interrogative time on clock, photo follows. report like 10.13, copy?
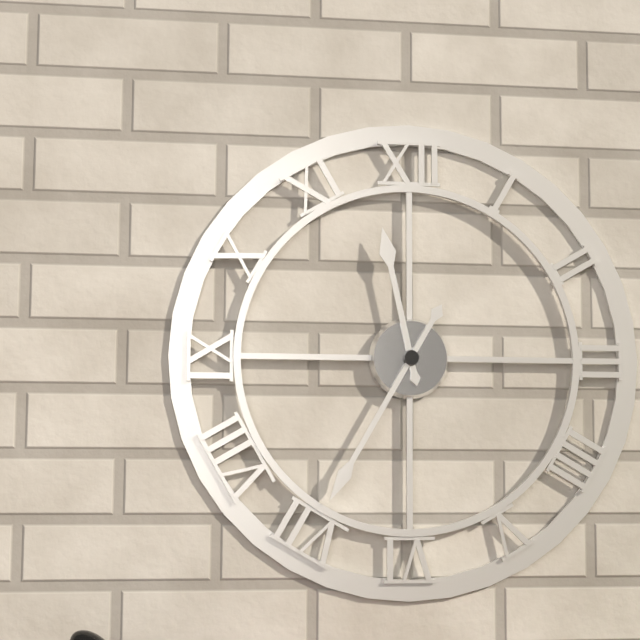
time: 11.35
